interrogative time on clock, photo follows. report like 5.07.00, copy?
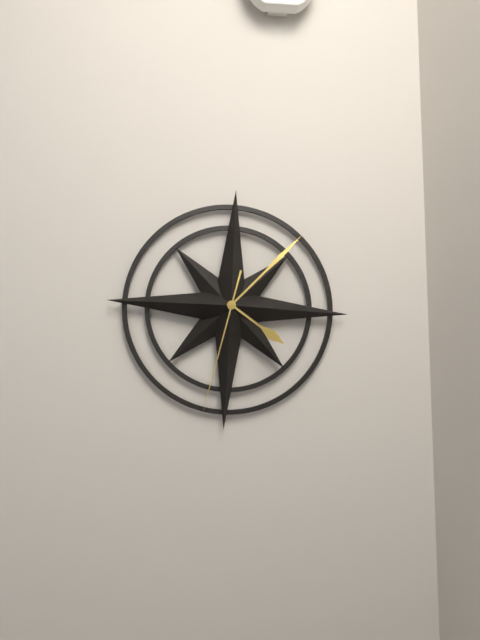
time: 4.07.32
